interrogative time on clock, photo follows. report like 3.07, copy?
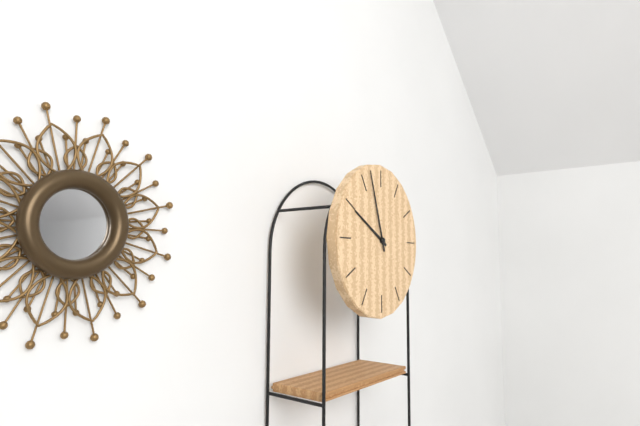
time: 9.57
